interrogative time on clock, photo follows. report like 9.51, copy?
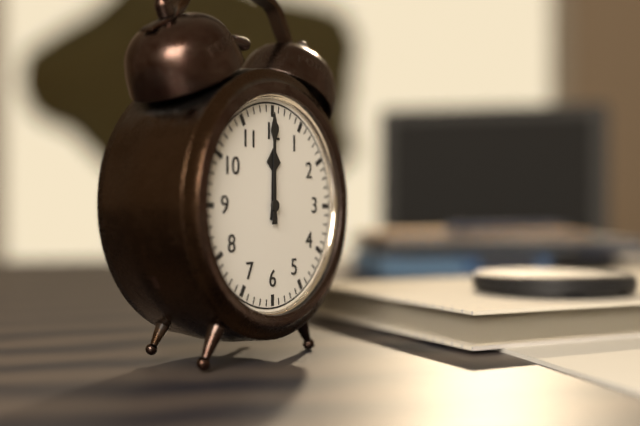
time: 12.00
